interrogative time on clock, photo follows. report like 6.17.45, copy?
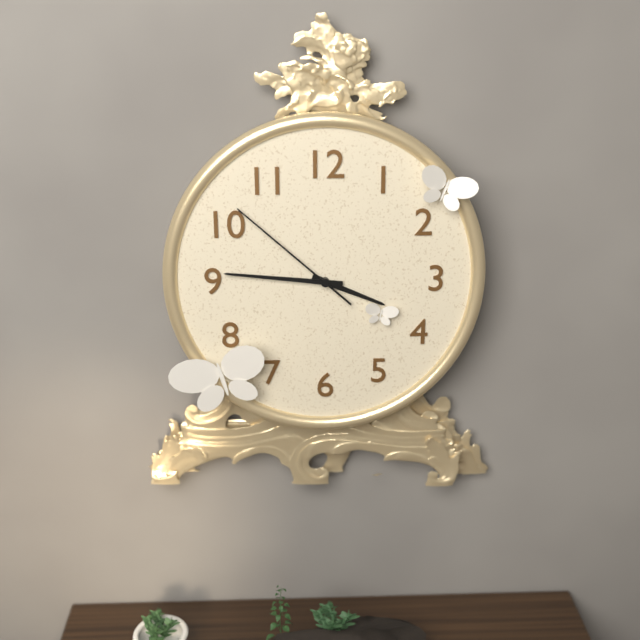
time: 3.46.52
